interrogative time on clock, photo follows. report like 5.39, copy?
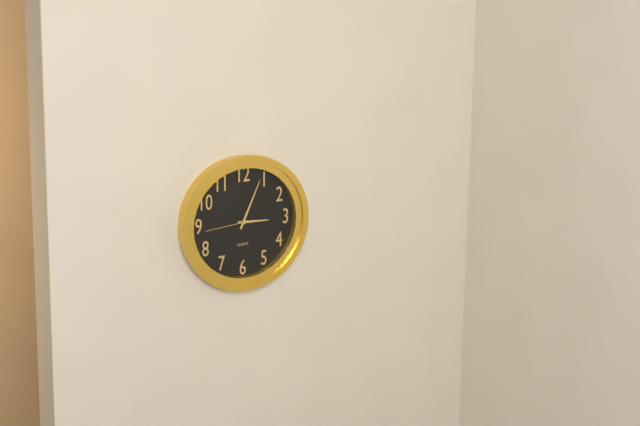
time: 3.04
